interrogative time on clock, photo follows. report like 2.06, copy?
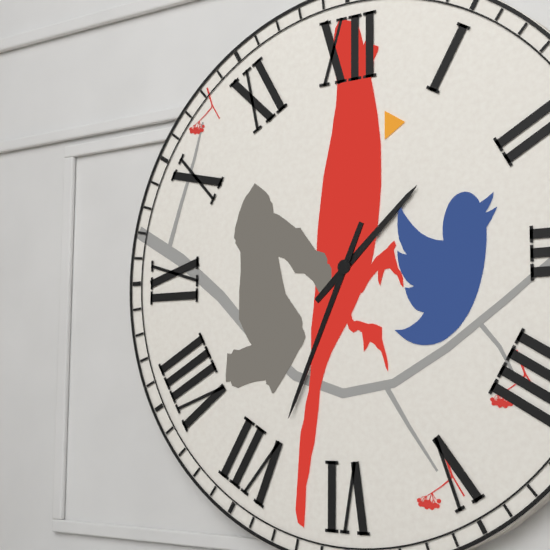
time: 1.34
